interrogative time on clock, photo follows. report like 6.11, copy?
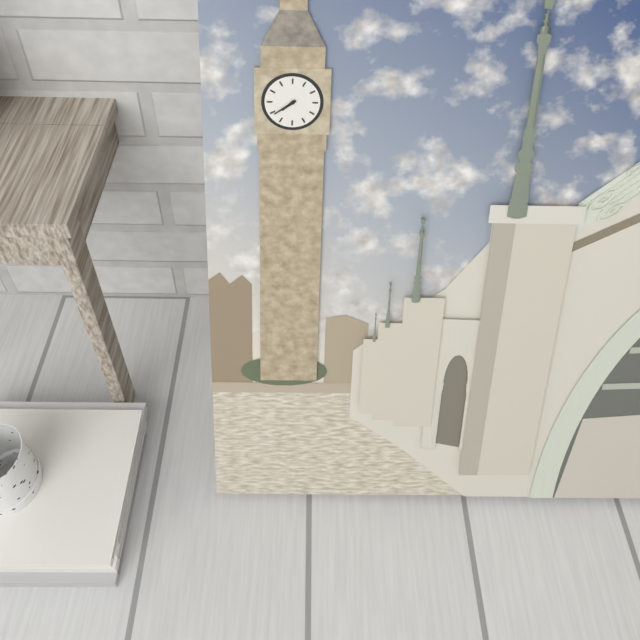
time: 7.39
